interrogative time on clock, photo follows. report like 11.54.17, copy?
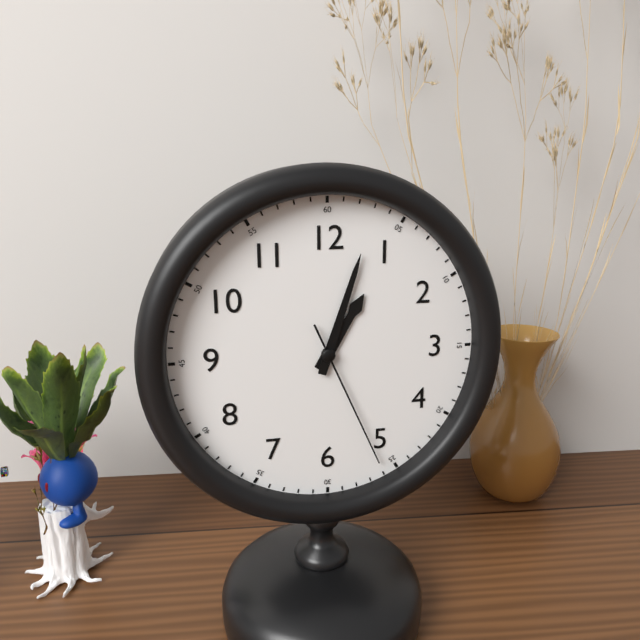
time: 1.03.26
